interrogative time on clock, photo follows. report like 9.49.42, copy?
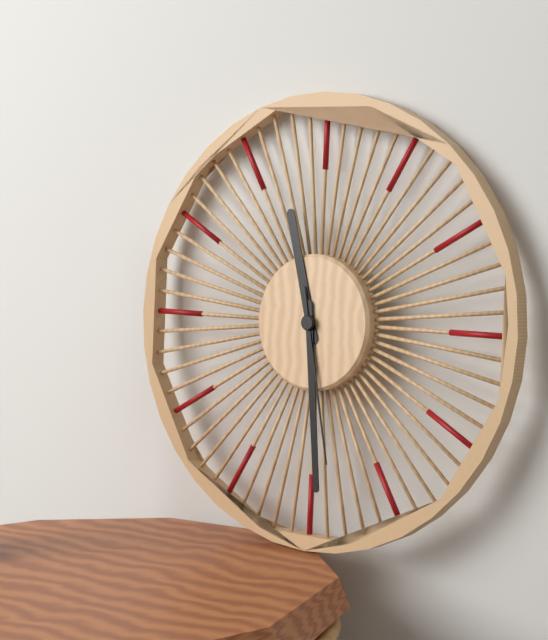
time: 11.29.28
